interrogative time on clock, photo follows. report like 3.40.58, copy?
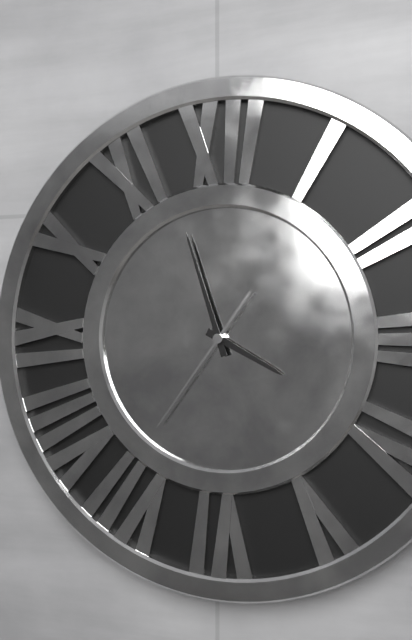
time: 3.57.36
